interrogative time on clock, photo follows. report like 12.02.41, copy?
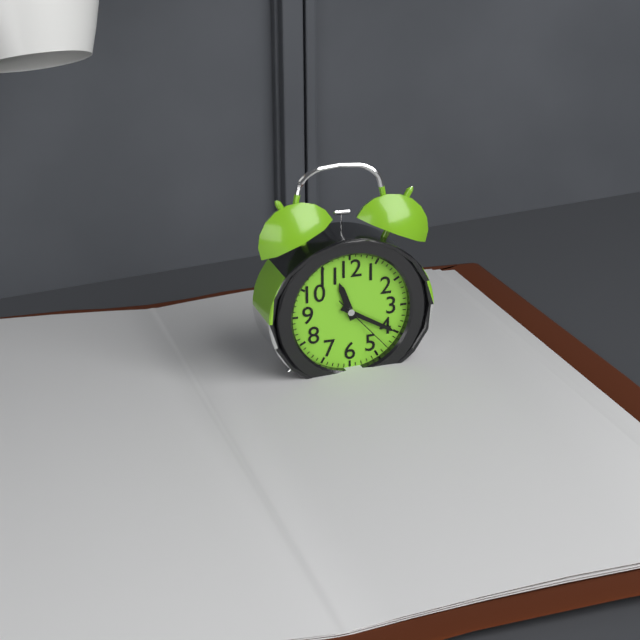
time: 11.20.23
